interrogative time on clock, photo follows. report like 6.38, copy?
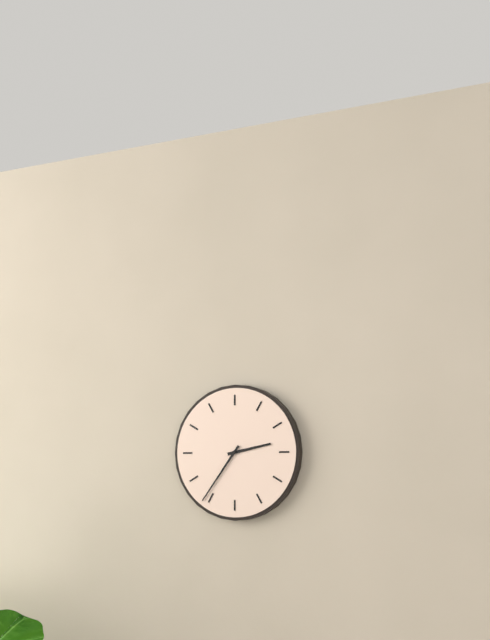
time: 2.36
